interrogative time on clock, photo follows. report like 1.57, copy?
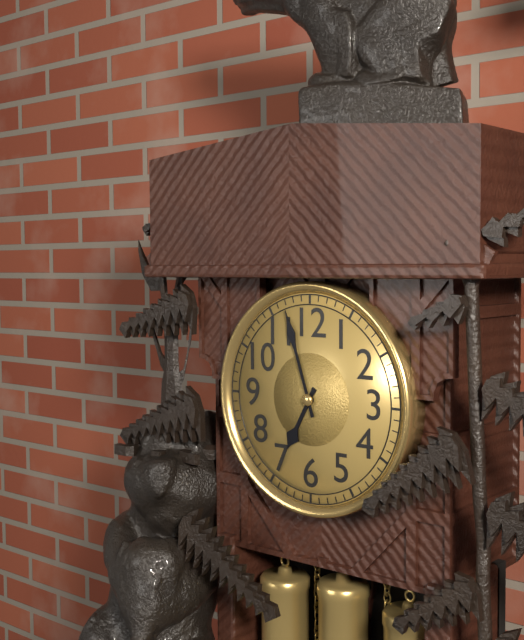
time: 6.57
